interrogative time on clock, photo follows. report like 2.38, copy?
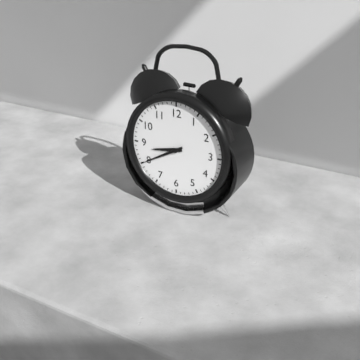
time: 8.40
